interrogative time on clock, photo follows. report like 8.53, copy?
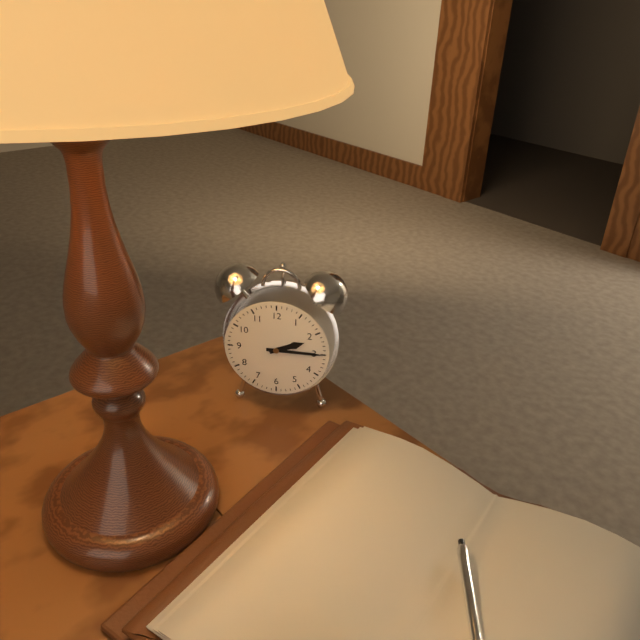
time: 2.15
